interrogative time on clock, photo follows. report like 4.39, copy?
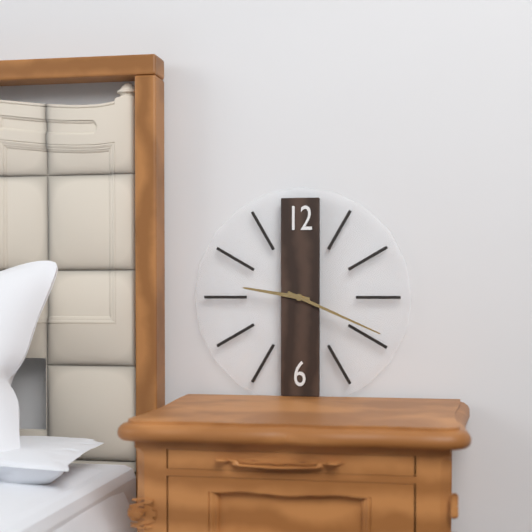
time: 9.19
